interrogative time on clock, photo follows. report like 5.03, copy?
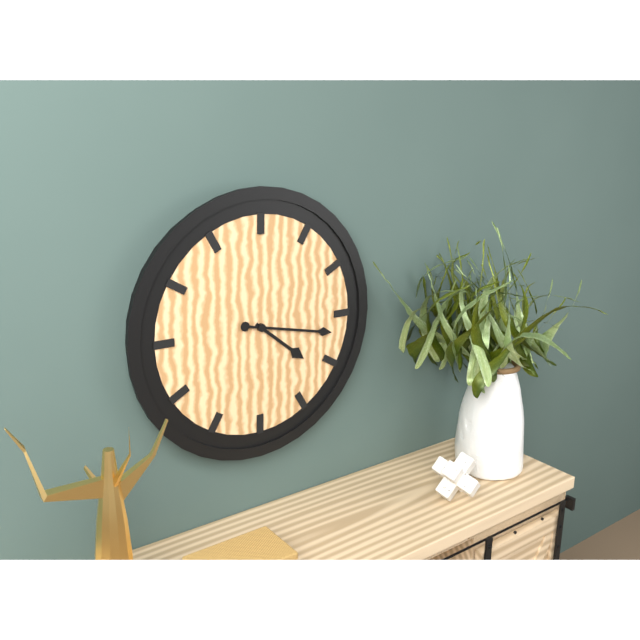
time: 4.17
